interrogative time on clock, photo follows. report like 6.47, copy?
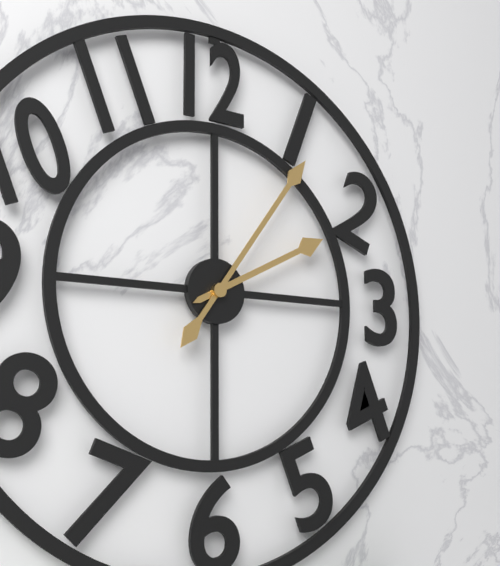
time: 2.06
